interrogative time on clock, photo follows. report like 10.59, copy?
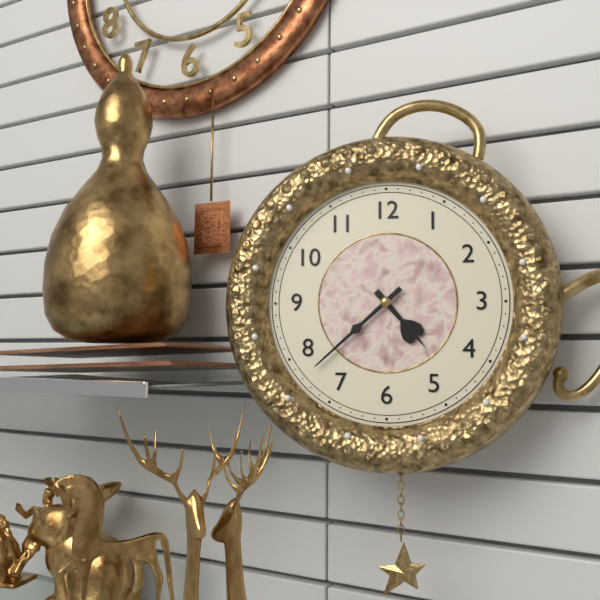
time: 4.38
